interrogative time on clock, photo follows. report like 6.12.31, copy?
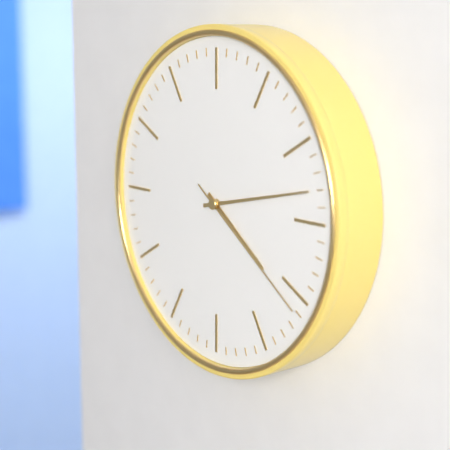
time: 4.13.21
